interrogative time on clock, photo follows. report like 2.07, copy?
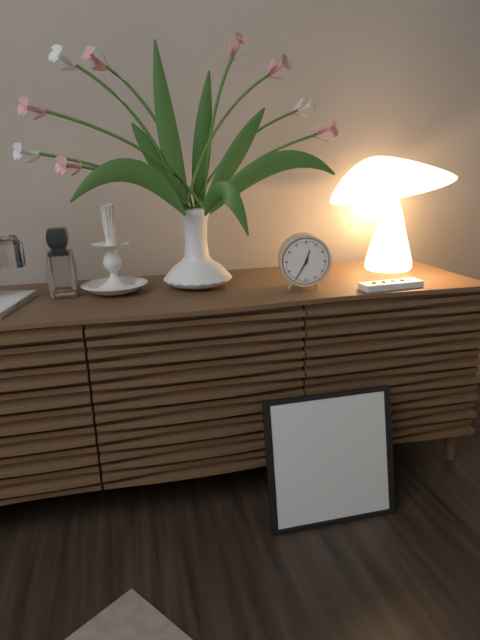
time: 12.35
